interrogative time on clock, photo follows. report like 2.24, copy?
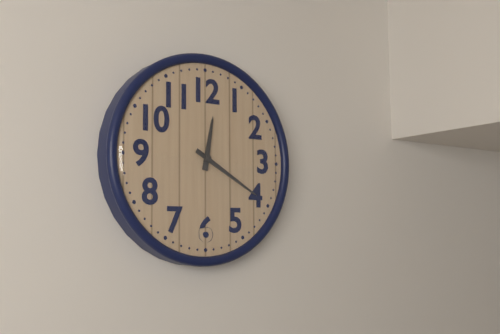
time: 12.20
